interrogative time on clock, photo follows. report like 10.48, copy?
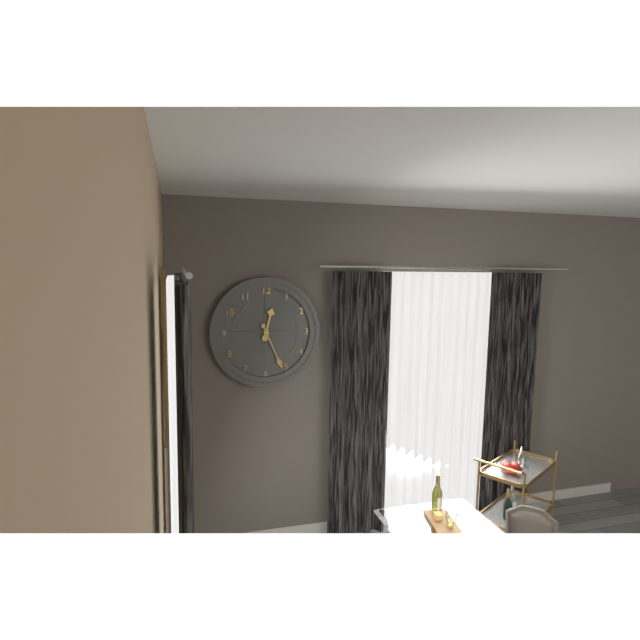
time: 12.26
